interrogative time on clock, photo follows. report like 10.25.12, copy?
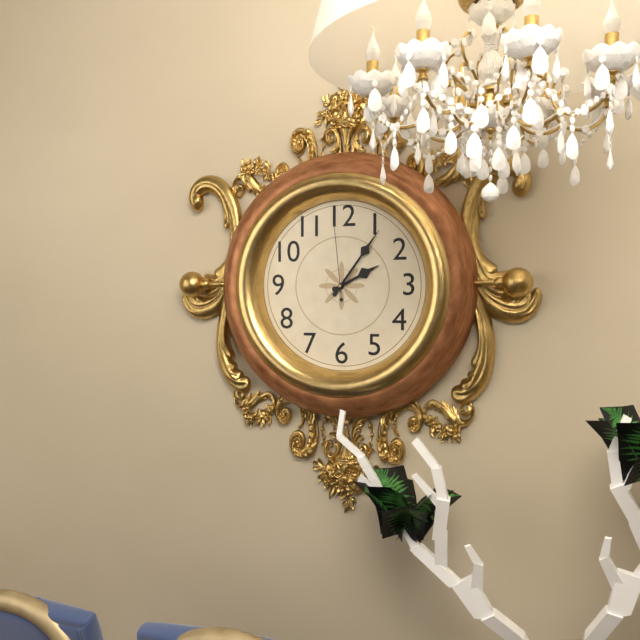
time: 2.06.59
